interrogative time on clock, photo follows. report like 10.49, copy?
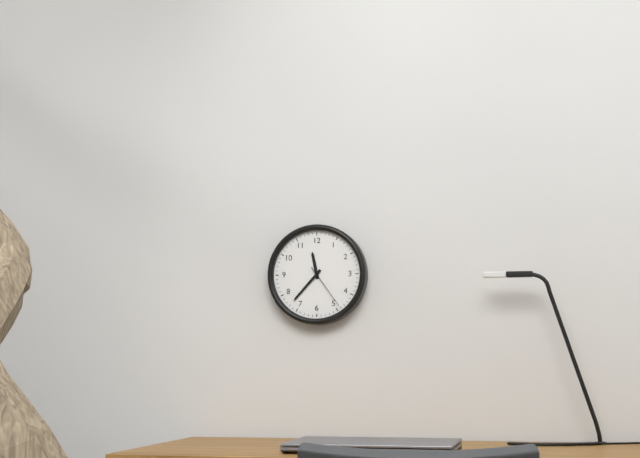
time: 11.37
